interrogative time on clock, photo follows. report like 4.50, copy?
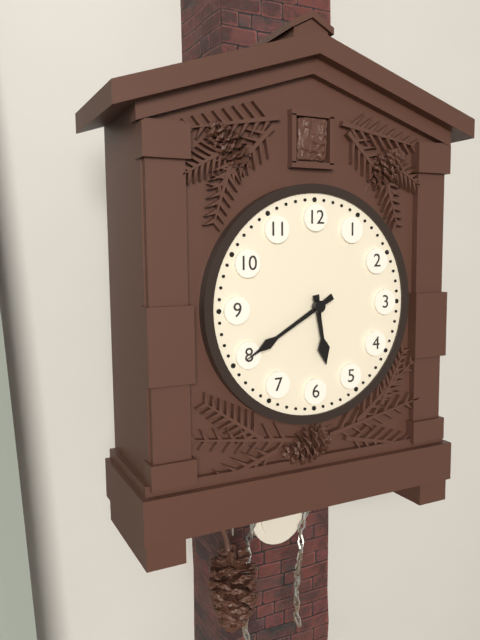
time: 5.40
